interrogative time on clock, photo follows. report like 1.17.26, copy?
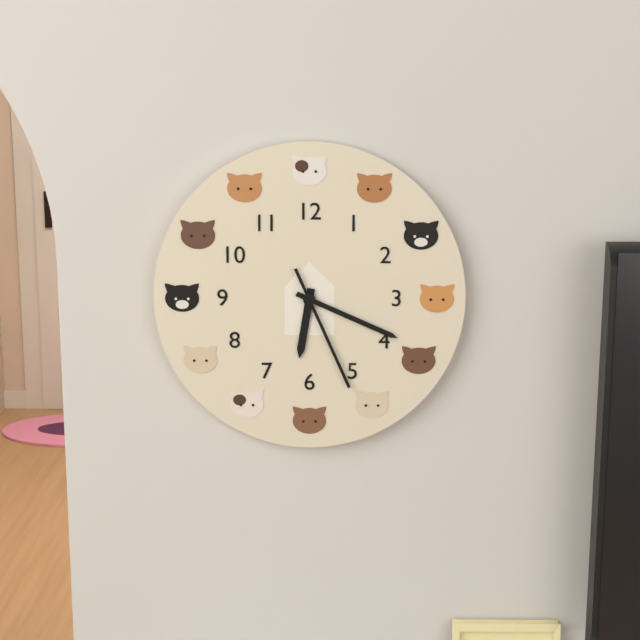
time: 6.19.26
